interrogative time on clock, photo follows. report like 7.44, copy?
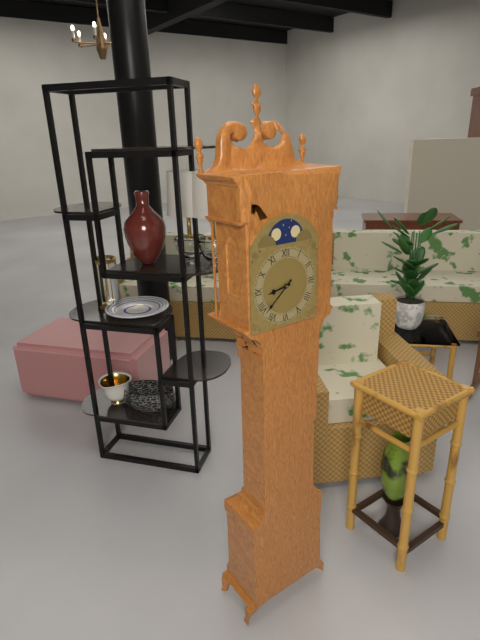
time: 8.38
